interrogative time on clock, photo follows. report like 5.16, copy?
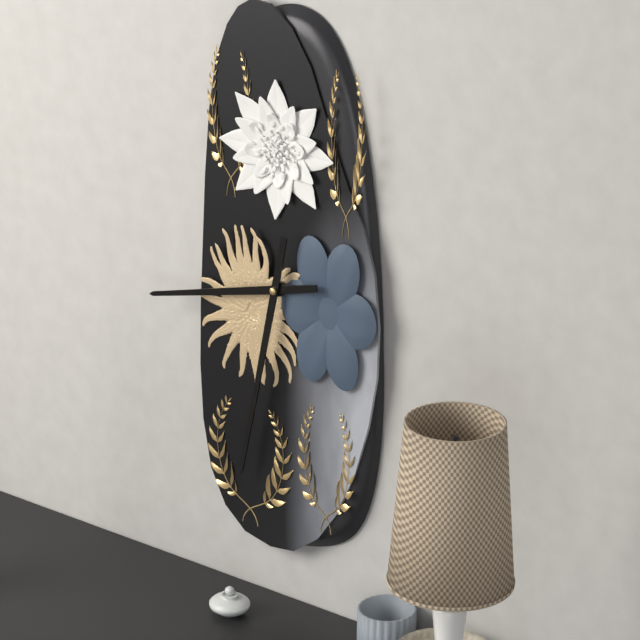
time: 8.32
